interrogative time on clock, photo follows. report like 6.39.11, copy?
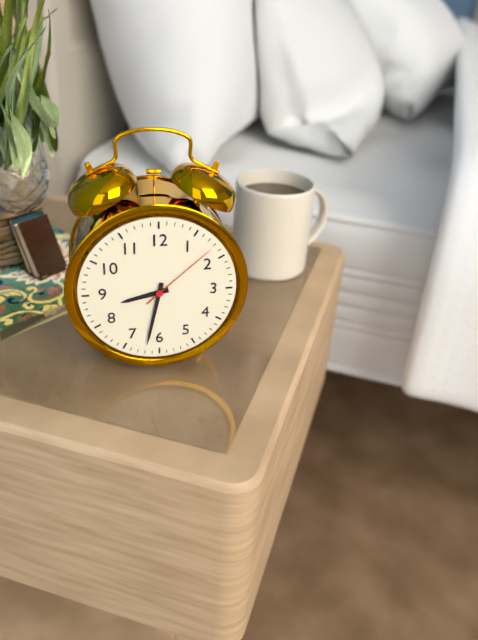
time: 8.32.08
